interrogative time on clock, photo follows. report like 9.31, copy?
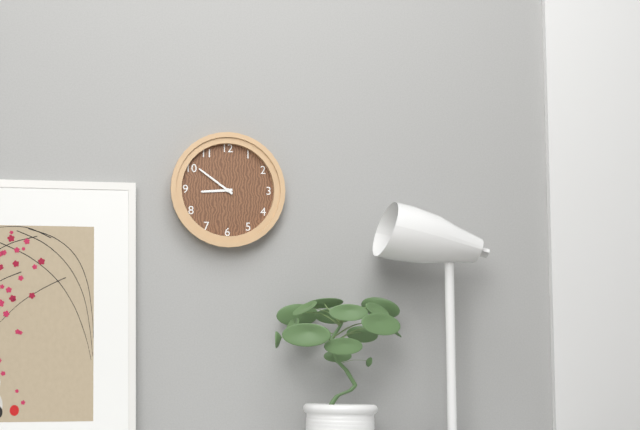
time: 8.51
